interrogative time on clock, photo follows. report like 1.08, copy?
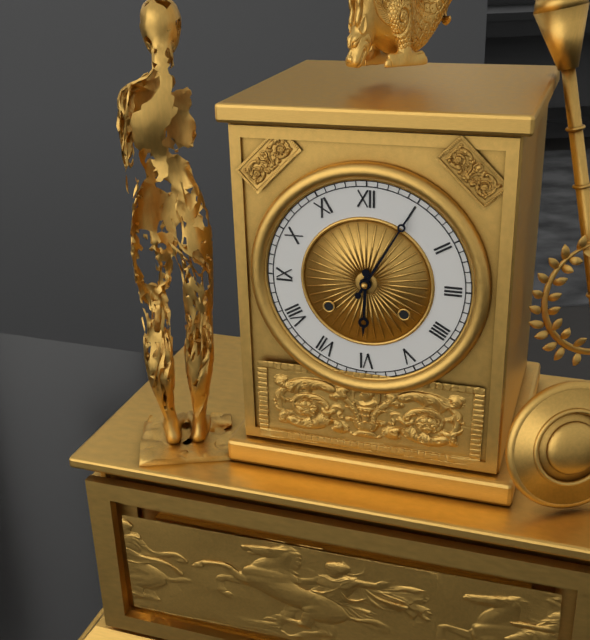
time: 6.05
